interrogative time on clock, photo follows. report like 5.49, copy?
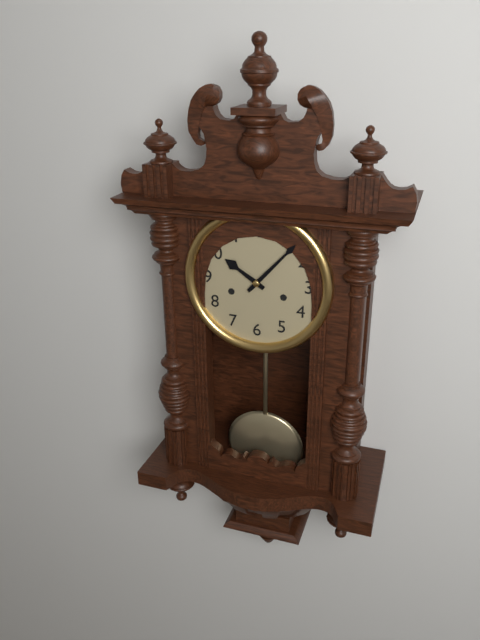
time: 10.07
